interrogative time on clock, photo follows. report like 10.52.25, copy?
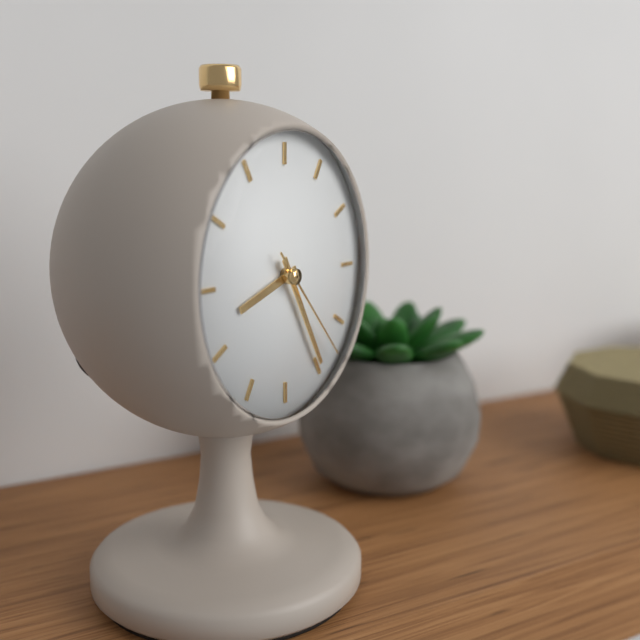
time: 8.25.23
